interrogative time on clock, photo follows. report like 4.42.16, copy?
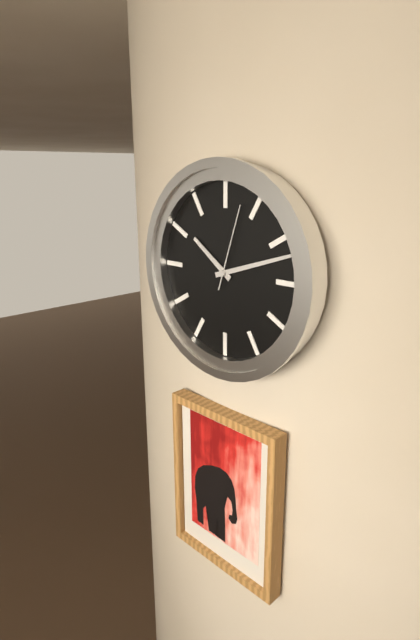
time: 10.12.03
